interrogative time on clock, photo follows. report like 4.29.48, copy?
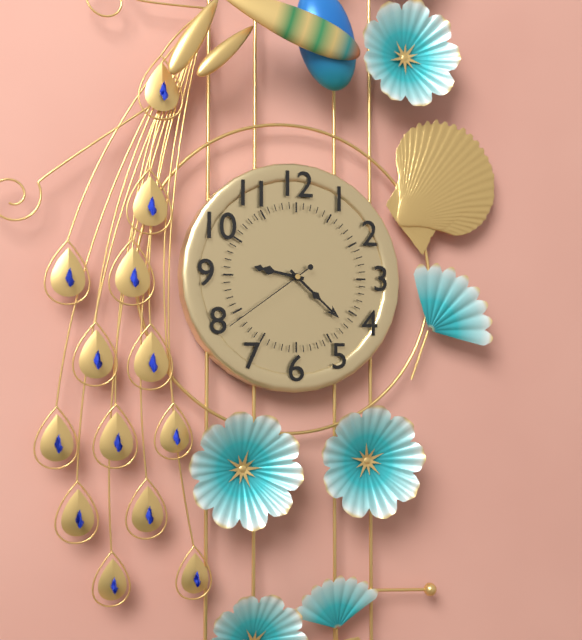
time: 9.22.39
